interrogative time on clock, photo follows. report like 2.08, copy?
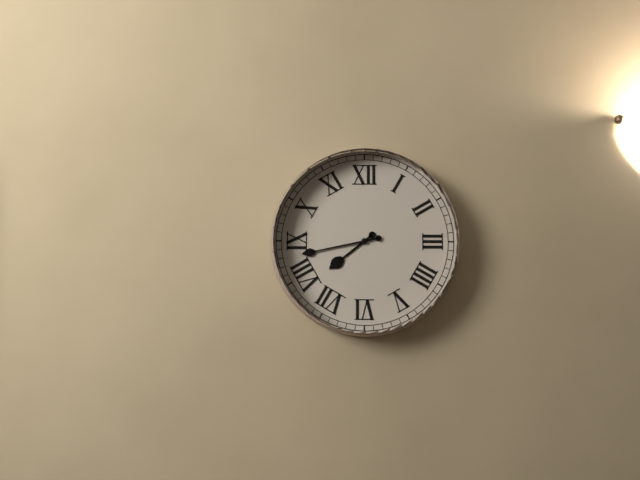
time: 7.43
